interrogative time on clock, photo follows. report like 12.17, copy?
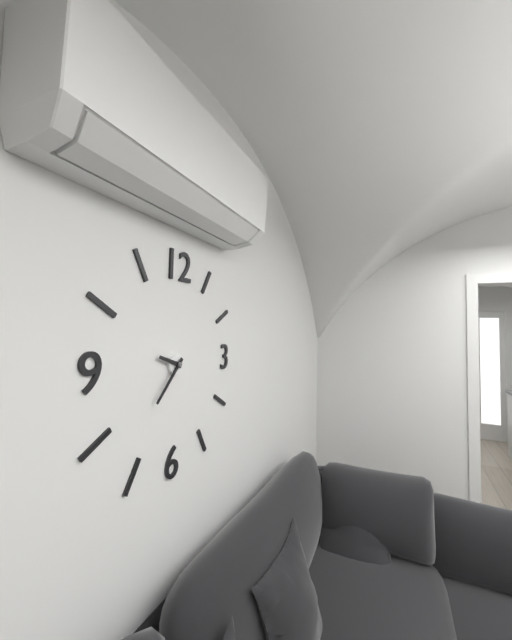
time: 9.37
